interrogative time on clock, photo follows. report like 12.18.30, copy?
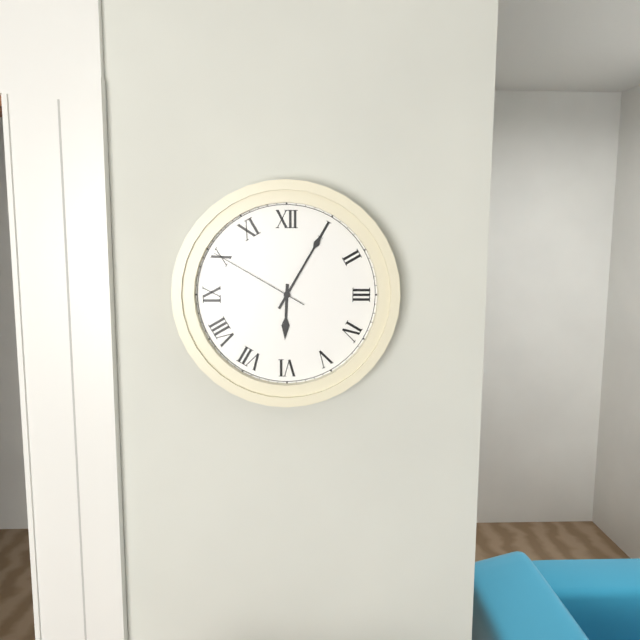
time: 6.05.50
